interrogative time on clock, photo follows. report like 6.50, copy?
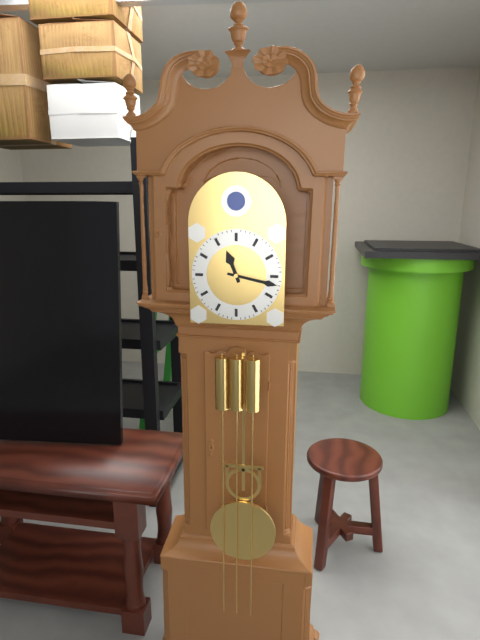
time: 11.17
